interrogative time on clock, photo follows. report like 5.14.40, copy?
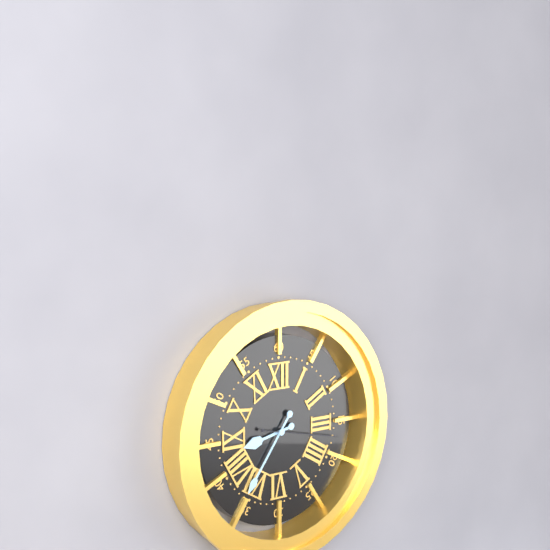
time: 8.36.17
